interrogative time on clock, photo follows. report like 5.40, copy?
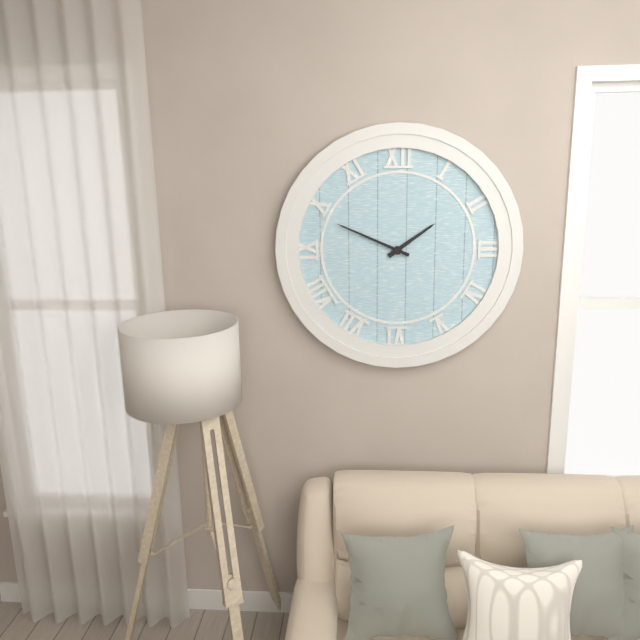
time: 1.49
